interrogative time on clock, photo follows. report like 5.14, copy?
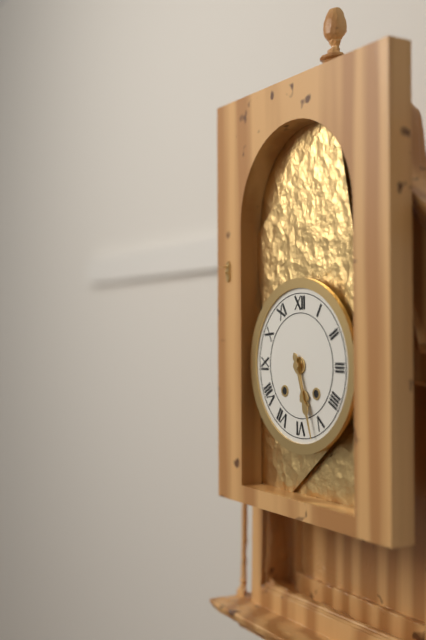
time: 5.27
